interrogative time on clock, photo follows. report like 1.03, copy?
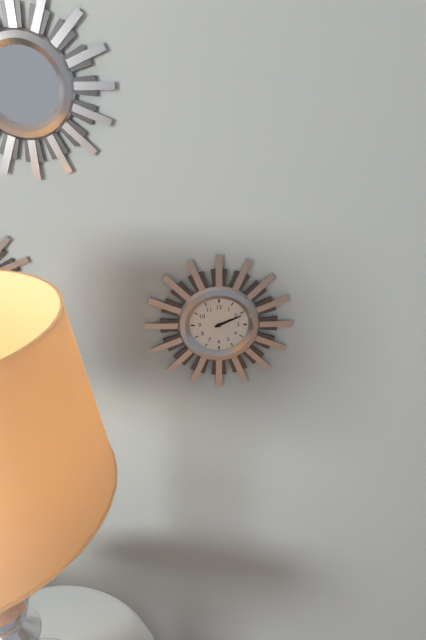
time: 2.11
